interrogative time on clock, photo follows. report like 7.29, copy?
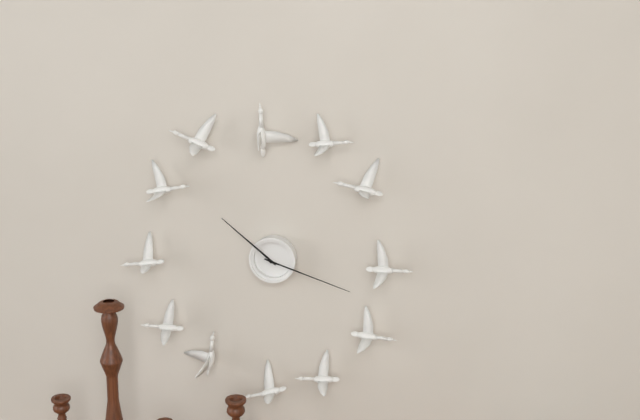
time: 10.18
